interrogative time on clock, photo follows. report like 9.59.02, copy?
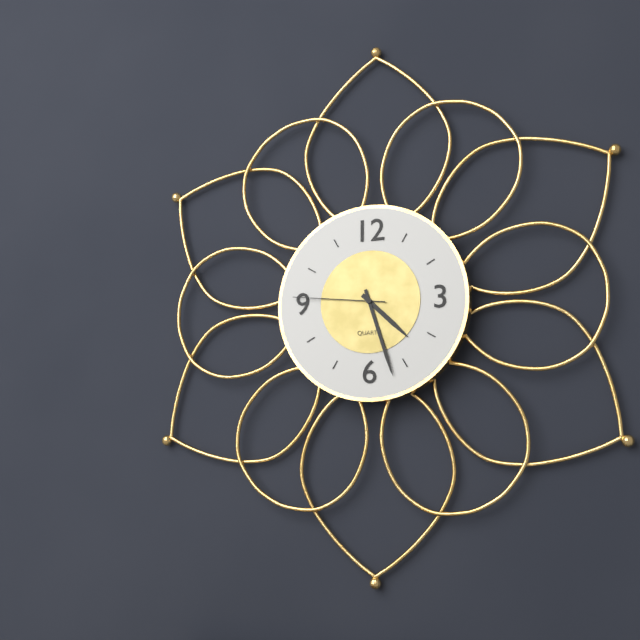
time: 4.27.46
